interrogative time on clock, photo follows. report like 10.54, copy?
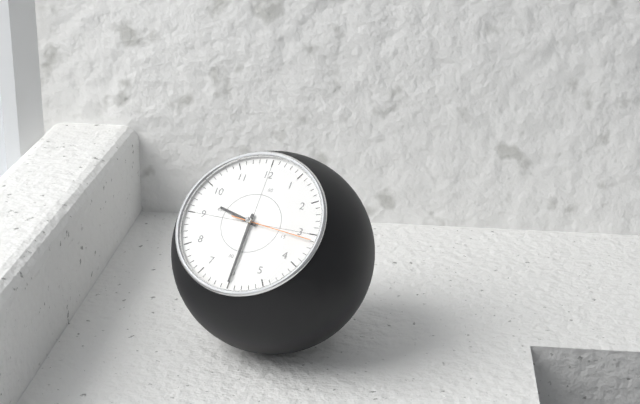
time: 9.30
